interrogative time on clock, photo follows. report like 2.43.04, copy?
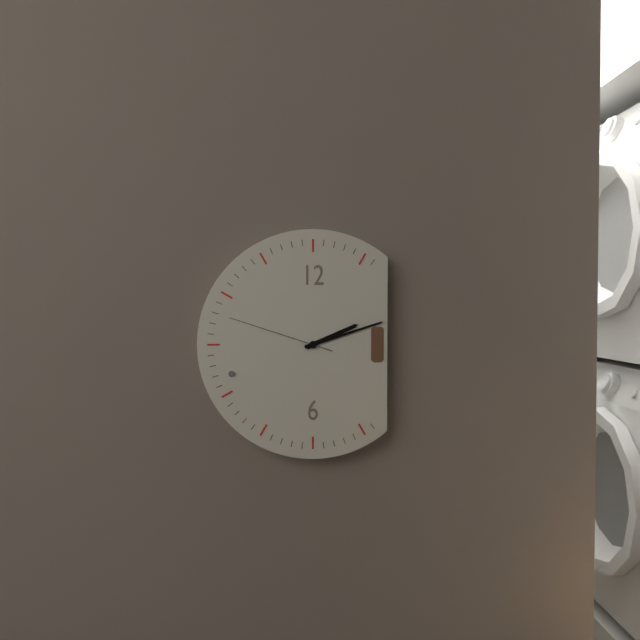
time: 2.12.48
